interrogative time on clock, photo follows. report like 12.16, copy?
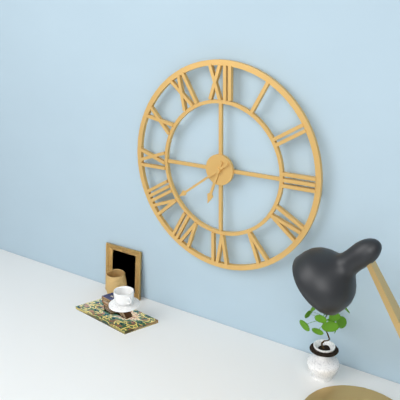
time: 6.39
